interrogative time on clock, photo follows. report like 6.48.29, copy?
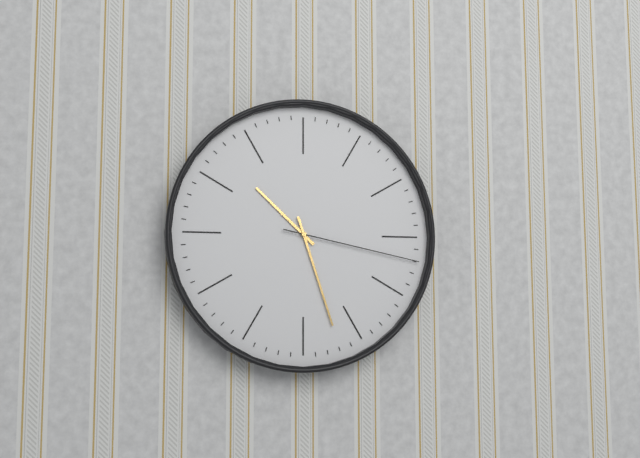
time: 10.27.17
